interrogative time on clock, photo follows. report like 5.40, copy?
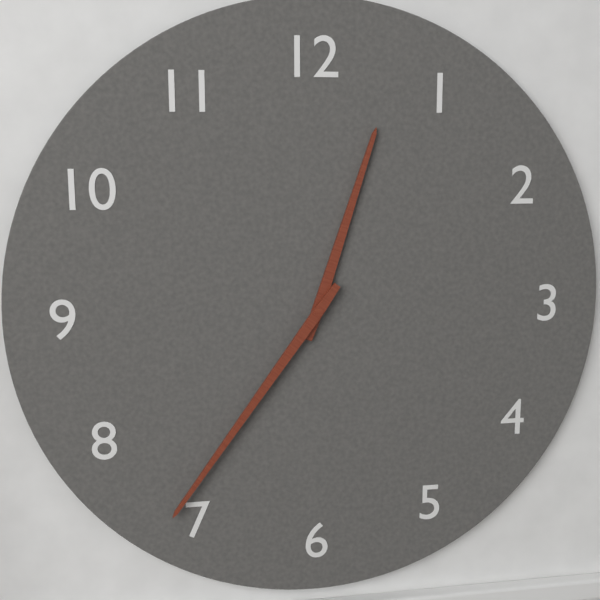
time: 12.36
